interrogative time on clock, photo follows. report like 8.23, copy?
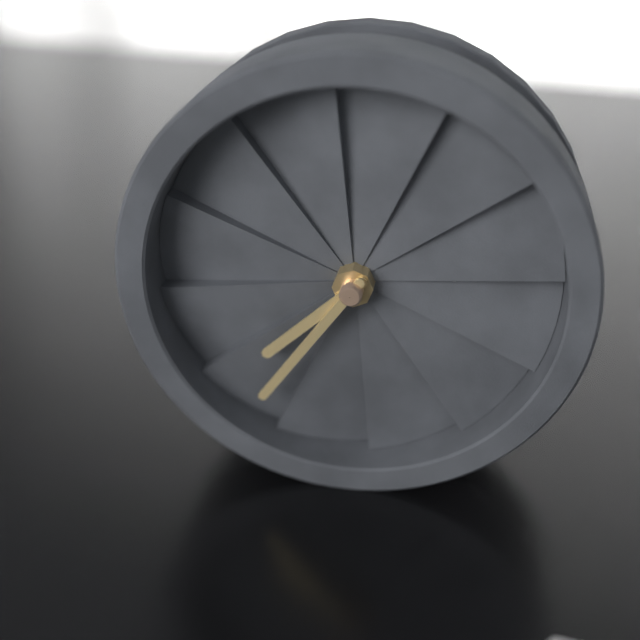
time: 7.36
